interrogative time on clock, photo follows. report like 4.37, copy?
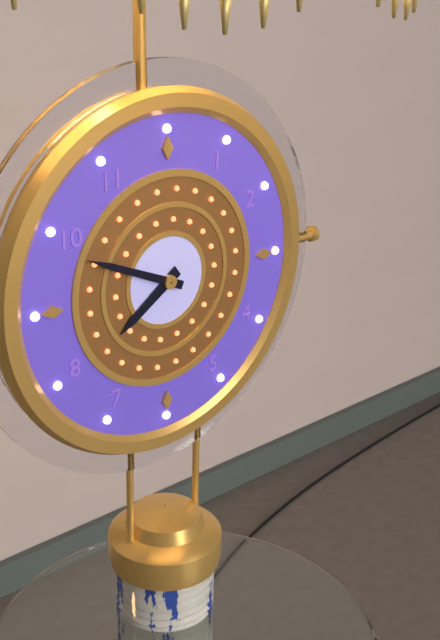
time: 7.49
